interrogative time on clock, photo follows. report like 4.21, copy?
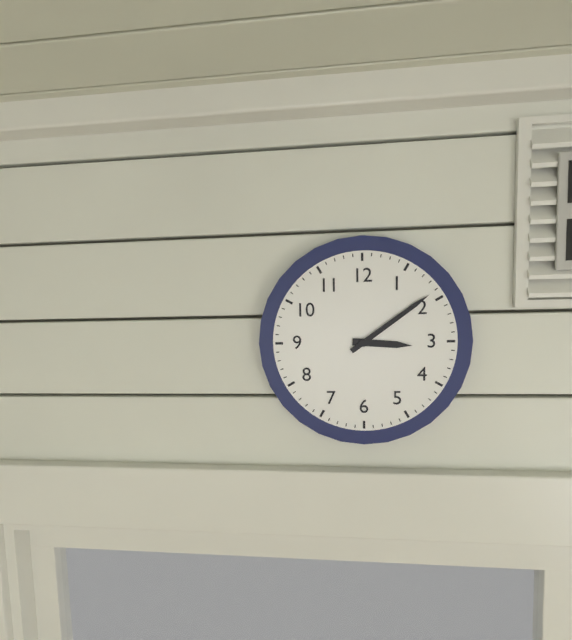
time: 3.09
